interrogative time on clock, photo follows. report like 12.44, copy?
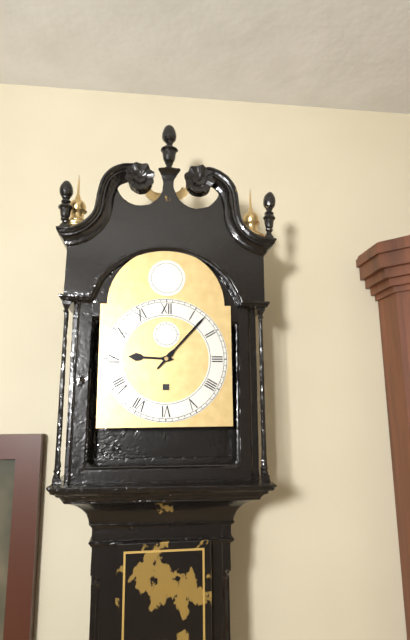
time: 9.07
